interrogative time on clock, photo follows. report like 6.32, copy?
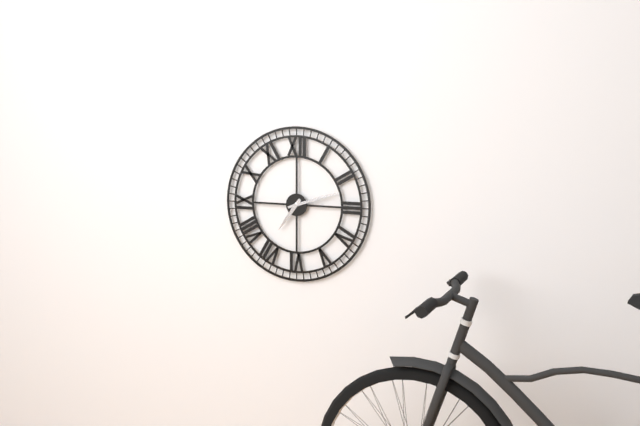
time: 7.12
